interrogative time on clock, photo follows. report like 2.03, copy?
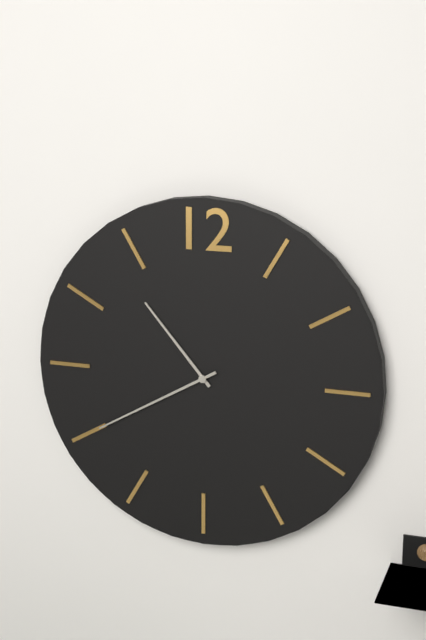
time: 10.40
